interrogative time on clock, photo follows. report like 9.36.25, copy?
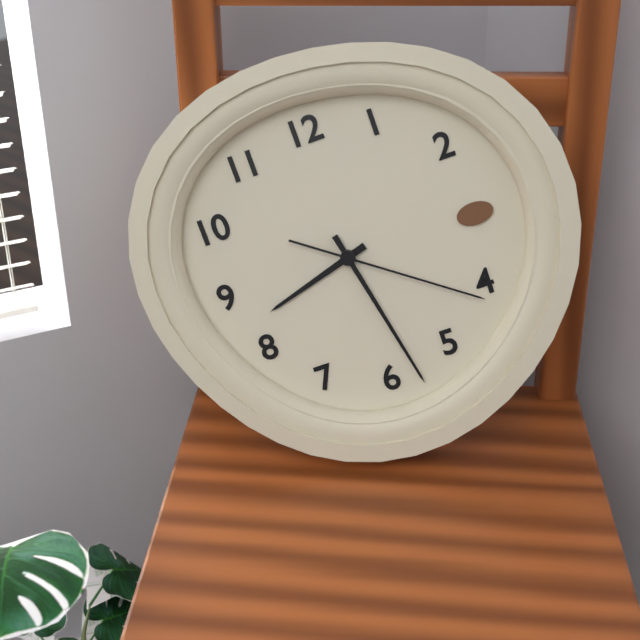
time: 8.28.21
